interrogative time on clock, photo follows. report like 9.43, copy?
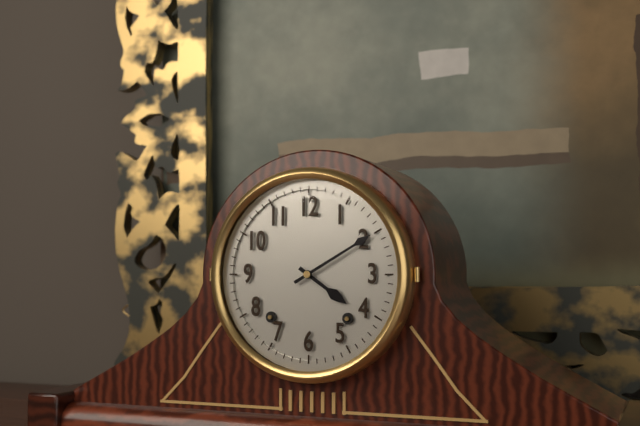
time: 4.10
